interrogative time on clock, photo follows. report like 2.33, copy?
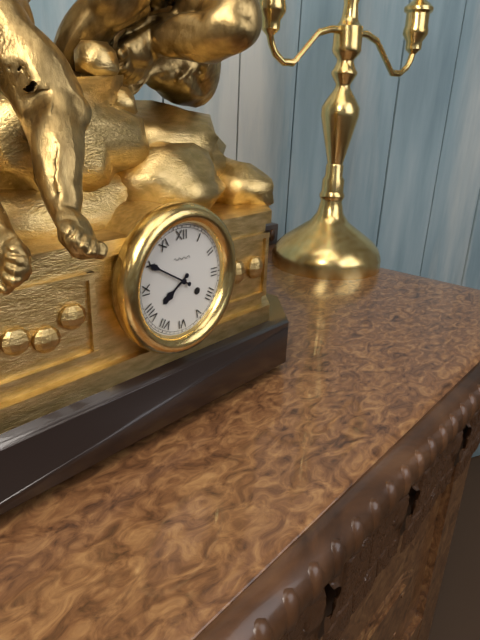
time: 7.50
